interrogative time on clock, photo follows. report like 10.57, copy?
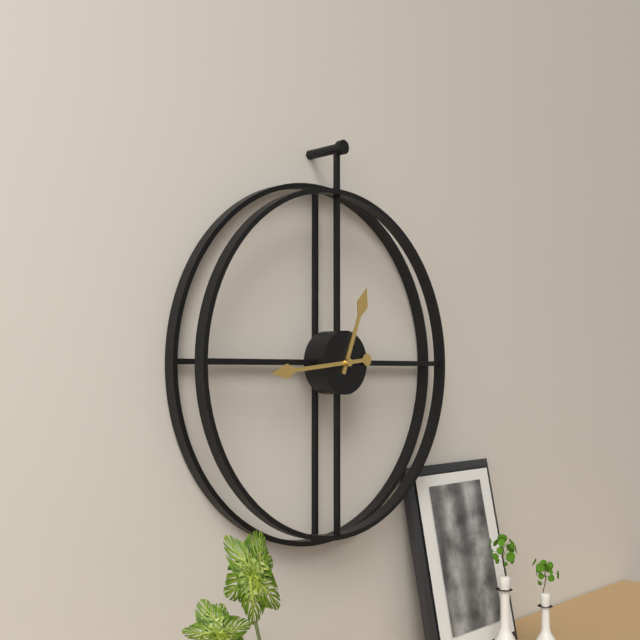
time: 12.44
